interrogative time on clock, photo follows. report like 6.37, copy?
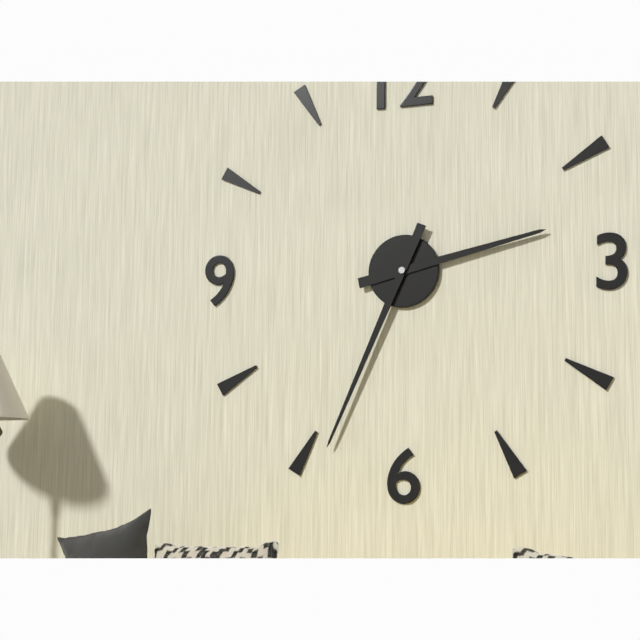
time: 2.34
